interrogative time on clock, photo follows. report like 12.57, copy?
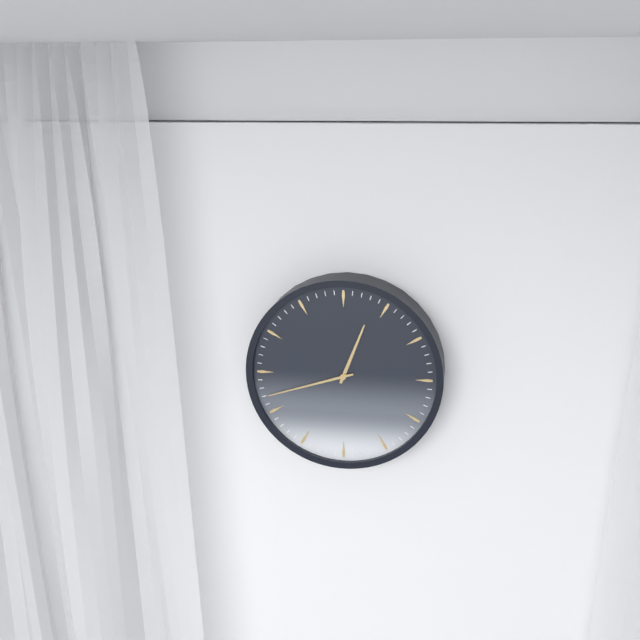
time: 12.42
